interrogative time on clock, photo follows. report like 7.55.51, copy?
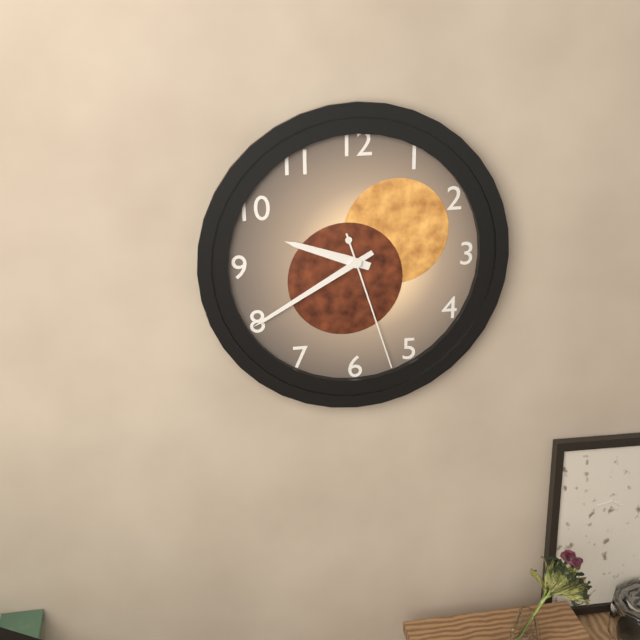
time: 9.40.27
